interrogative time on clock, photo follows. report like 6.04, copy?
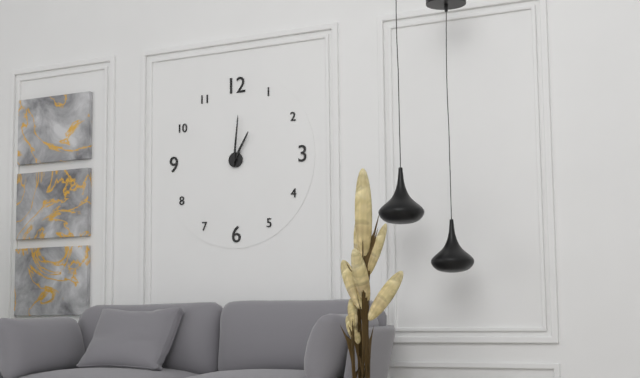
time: 1.01
